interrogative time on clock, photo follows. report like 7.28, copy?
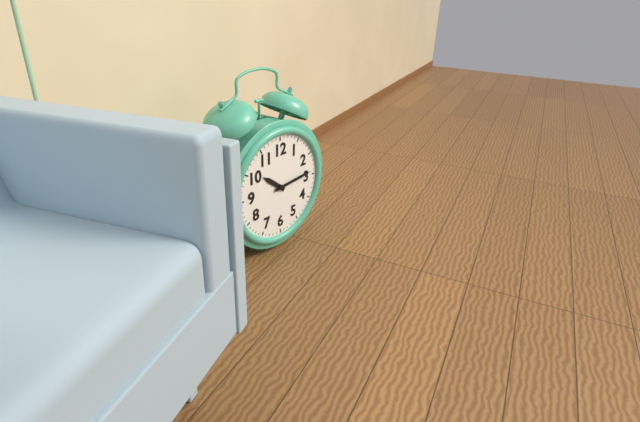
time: 10.14
